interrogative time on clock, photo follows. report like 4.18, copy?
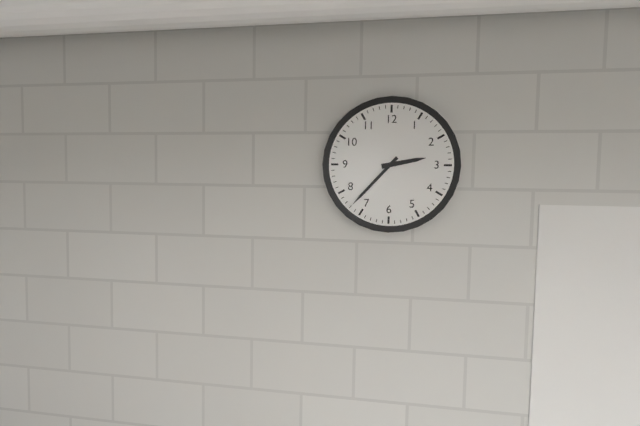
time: 2.37
